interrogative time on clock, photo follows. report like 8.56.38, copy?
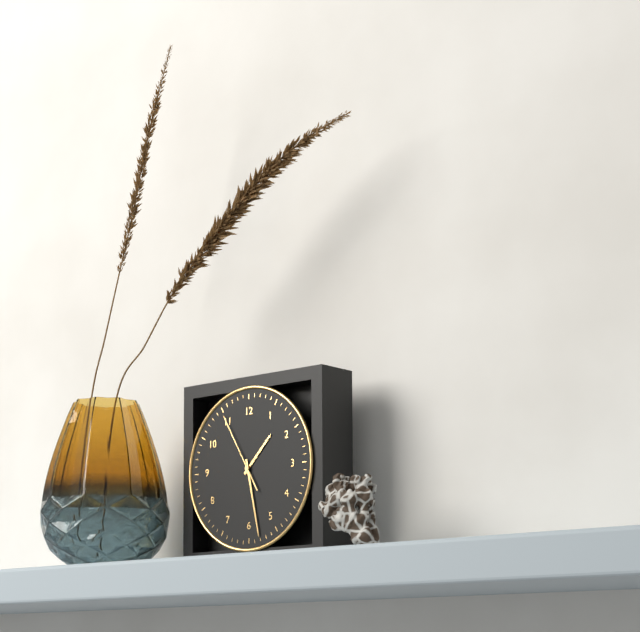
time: 1.28.55
